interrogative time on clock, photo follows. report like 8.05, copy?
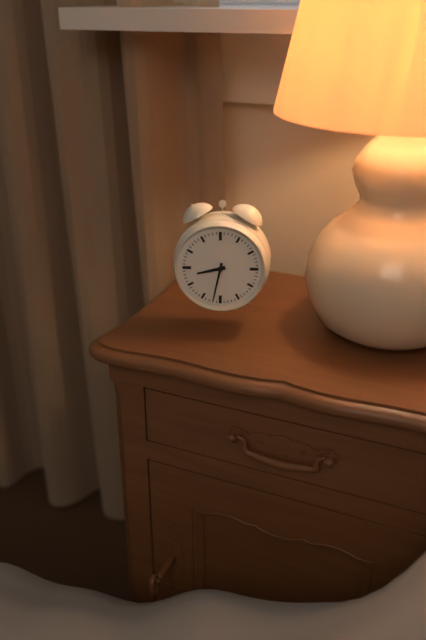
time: 8.32
